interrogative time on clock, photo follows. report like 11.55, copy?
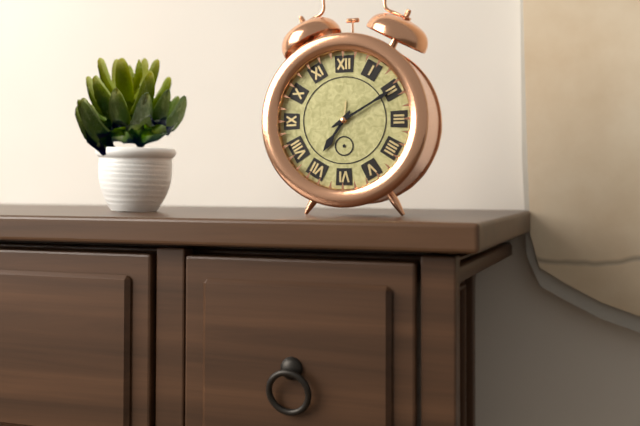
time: 7.10
